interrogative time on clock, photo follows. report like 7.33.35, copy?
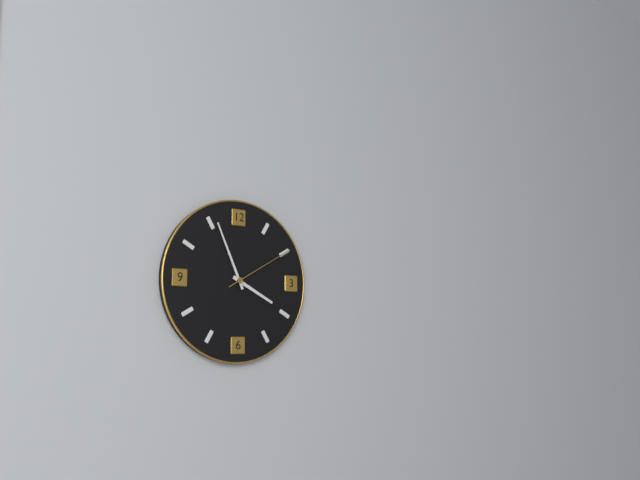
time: 3.56.10
